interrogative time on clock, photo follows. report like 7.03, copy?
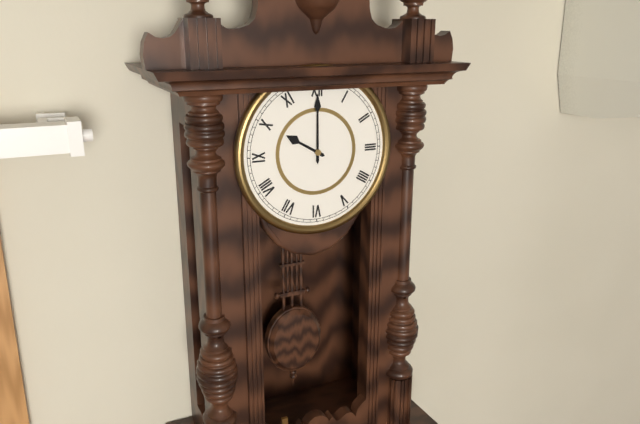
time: 10.00
